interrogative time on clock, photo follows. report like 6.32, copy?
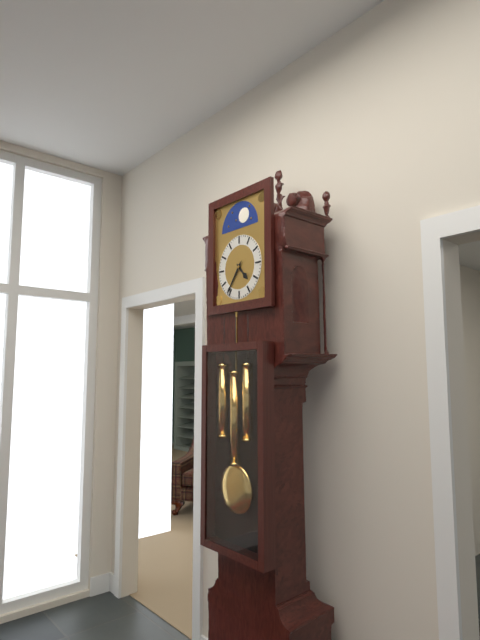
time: 4.36
